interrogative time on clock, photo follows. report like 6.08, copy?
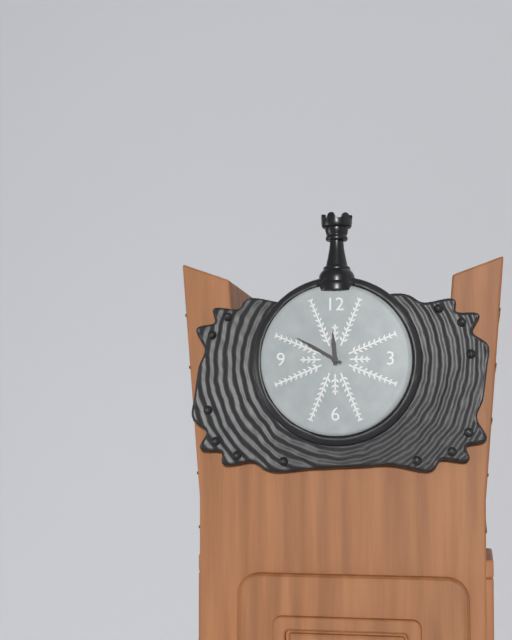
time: 11.50
